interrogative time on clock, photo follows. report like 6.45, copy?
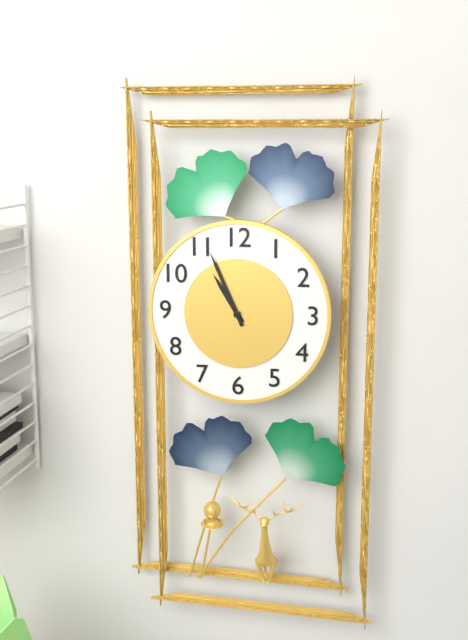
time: 10.56
